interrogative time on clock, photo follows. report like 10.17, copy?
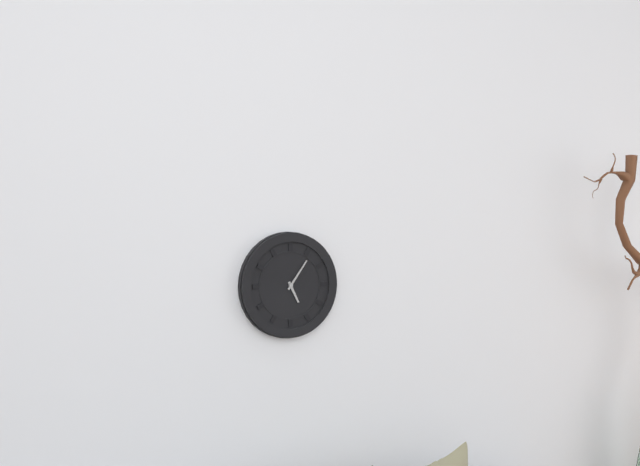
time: 5.06
